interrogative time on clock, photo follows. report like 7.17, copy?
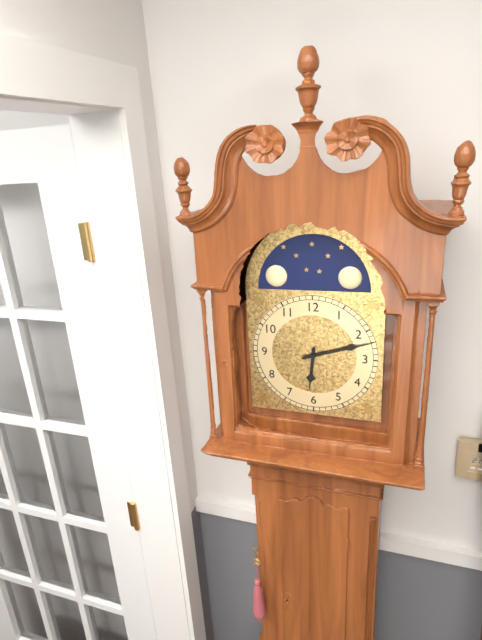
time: 6.12
